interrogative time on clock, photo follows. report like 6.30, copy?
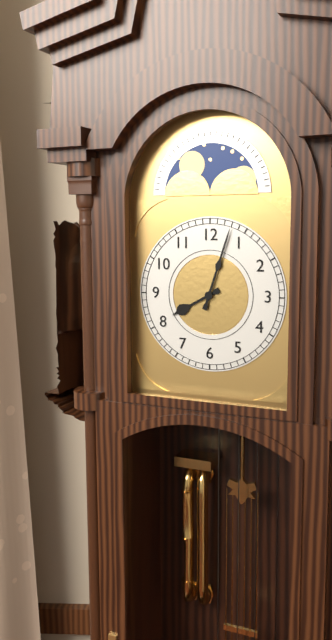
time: 8.03
